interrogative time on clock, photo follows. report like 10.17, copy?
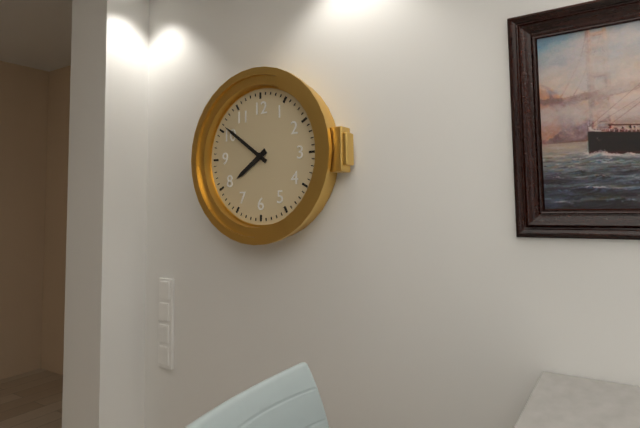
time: 7.51
